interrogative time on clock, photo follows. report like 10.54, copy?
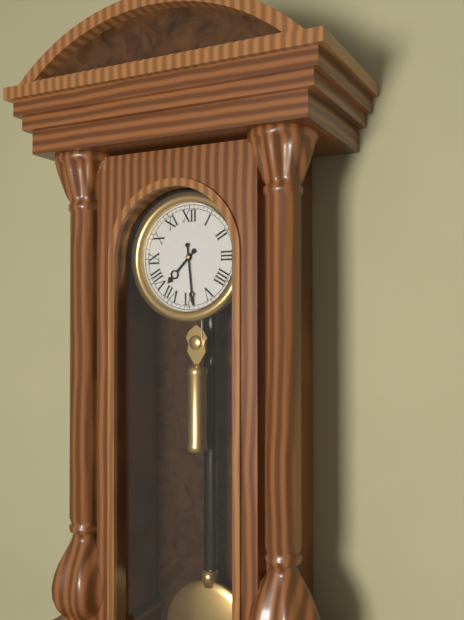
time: 7.29
